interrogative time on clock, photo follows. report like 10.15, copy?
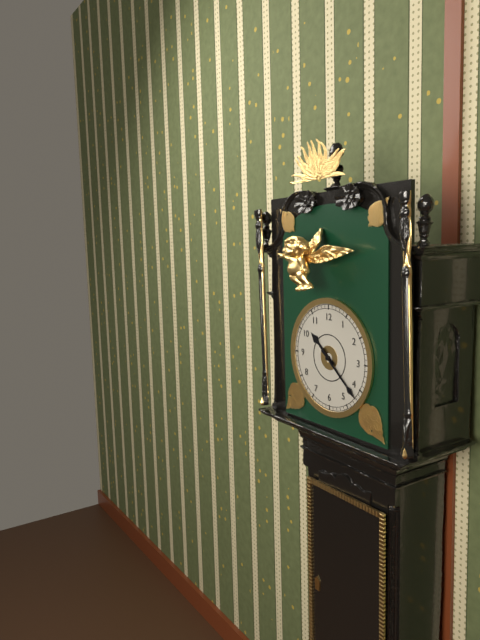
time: 10.22
